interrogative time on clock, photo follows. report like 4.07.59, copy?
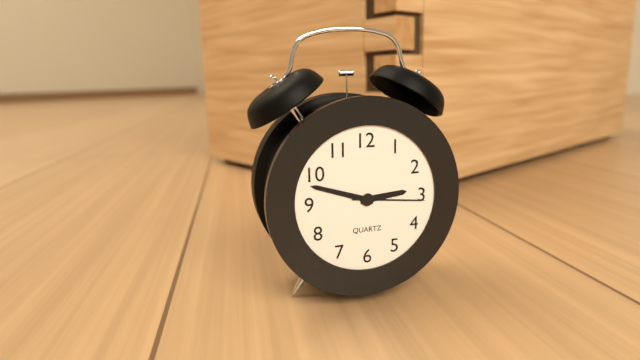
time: 2.48.16
